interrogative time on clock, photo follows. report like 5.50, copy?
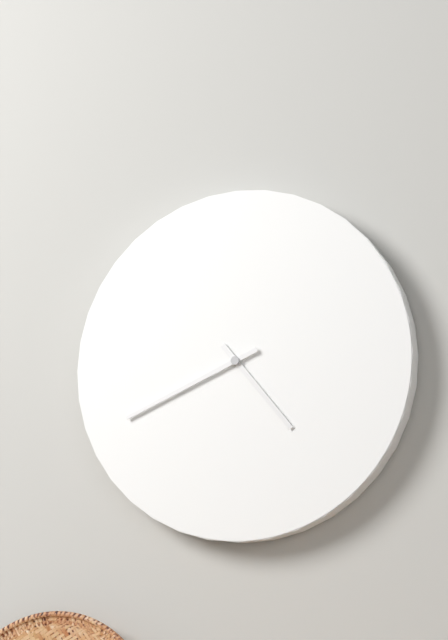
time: 4.41
